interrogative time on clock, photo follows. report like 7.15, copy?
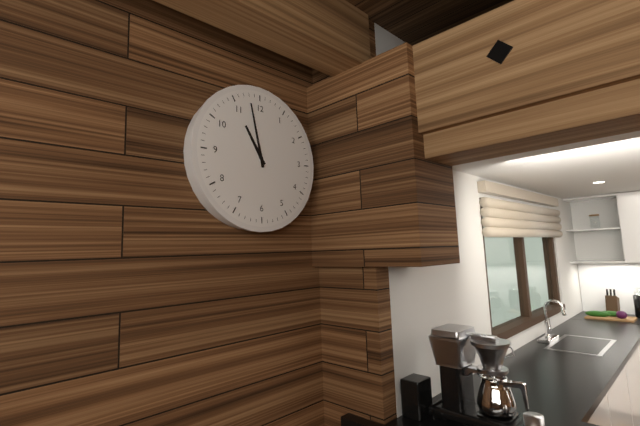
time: 10.58
